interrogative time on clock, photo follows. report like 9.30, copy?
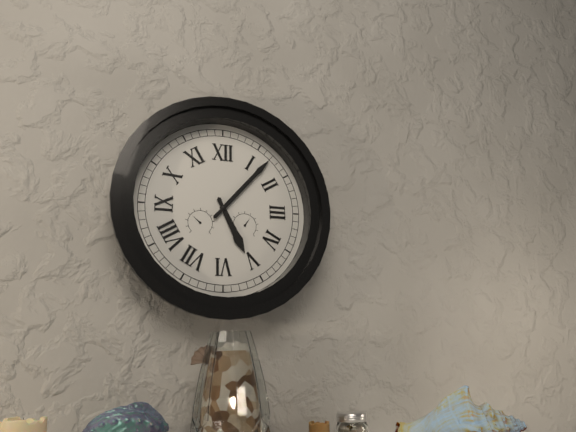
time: 5.07
